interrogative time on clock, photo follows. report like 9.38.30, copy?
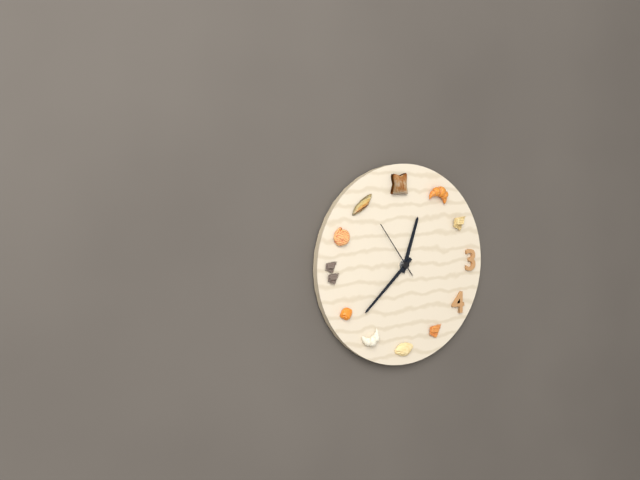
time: 12.38.54
